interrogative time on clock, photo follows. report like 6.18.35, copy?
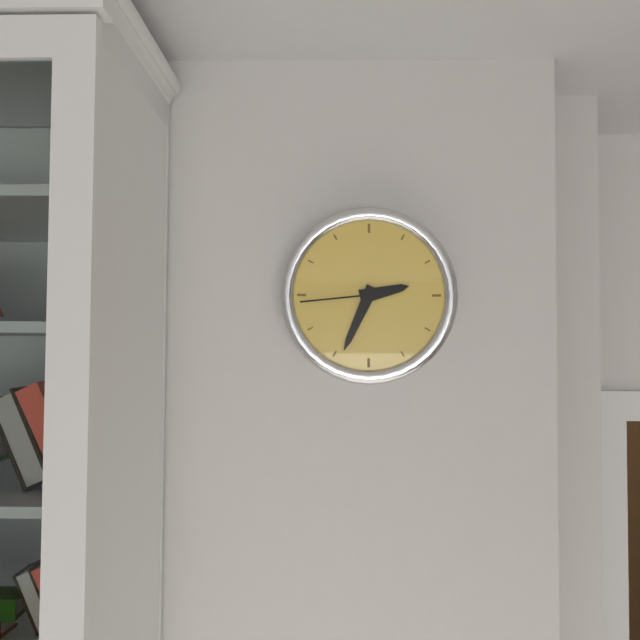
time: 2.34.44
